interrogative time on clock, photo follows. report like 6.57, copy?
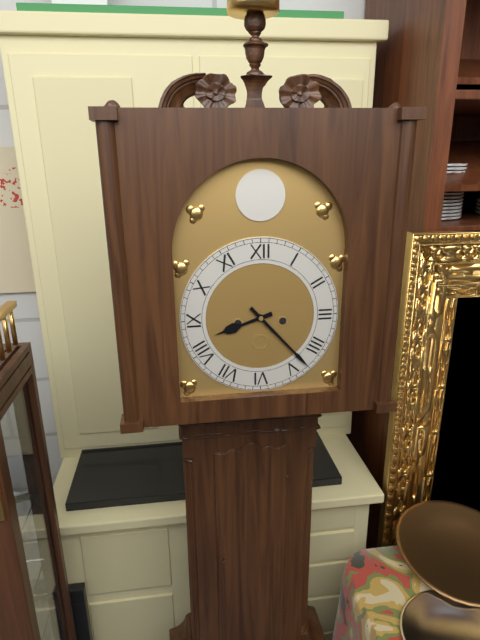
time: 8.23
